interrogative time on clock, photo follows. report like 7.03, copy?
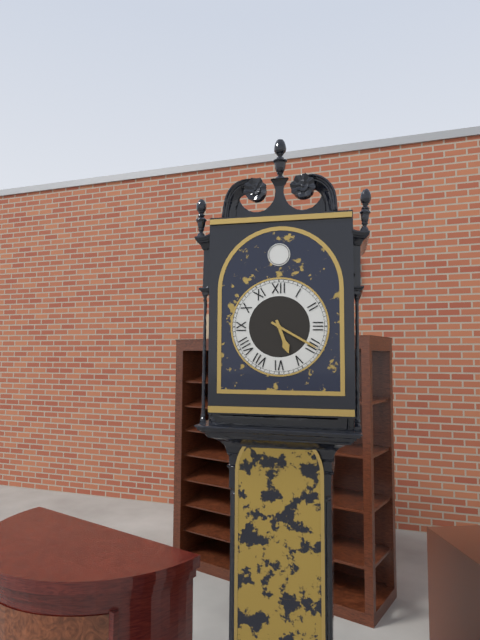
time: 5.20
